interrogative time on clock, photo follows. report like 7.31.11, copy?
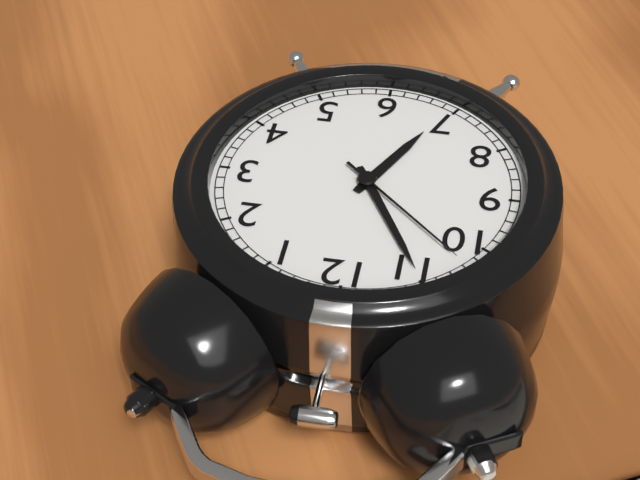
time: 6.55.52
